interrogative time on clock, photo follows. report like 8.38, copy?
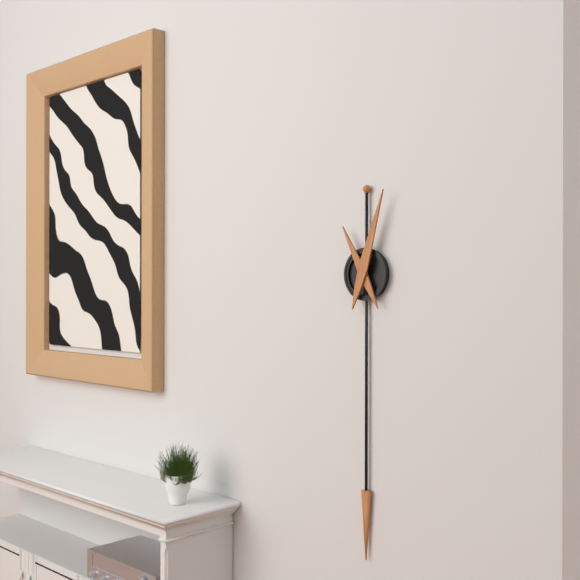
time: 11.03
